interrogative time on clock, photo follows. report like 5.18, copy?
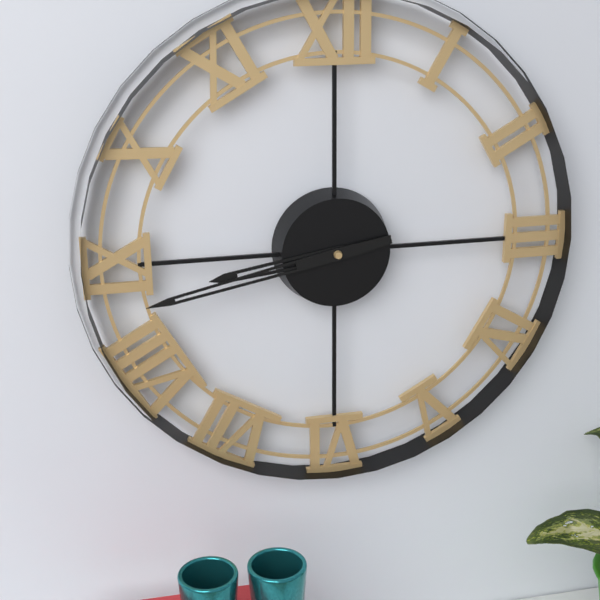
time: 8.43
